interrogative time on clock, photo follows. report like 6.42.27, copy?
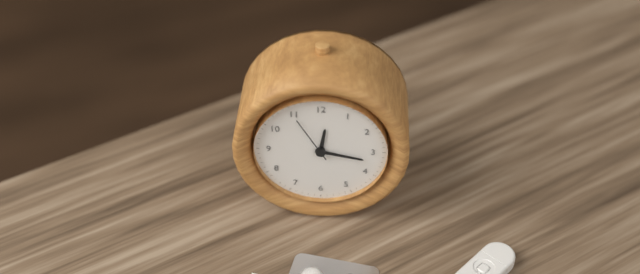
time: 12.17.55
